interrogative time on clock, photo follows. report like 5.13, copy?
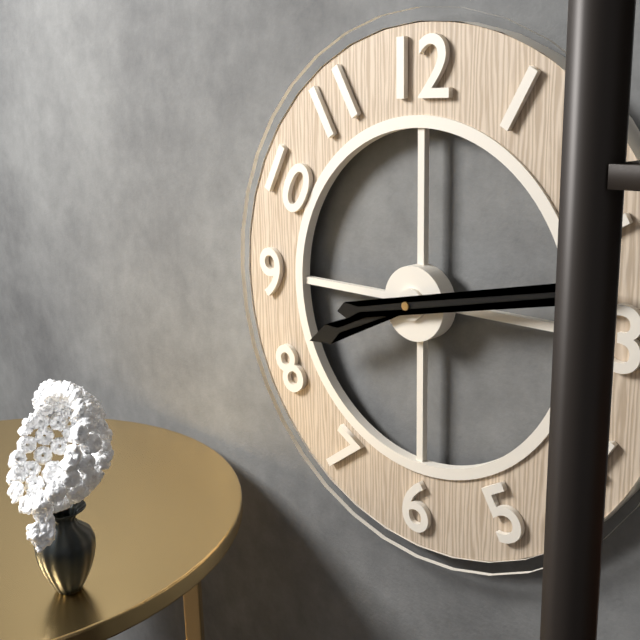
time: 8.13
